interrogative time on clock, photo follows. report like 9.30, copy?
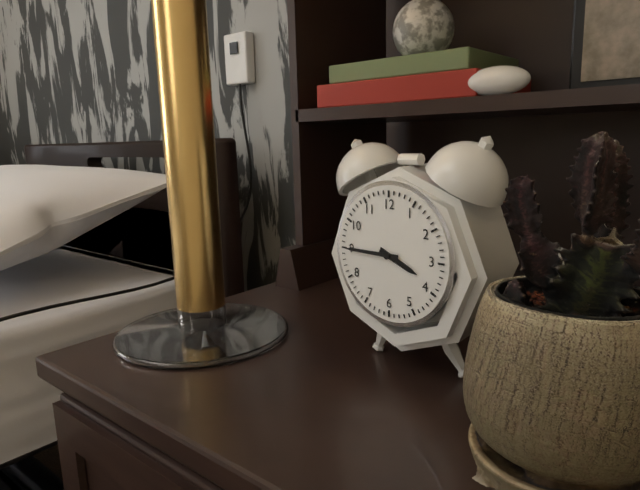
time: 3.45
